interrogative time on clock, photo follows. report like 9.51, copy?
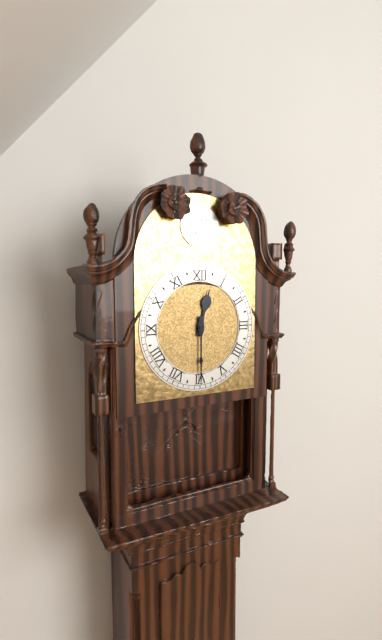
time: 12.30
